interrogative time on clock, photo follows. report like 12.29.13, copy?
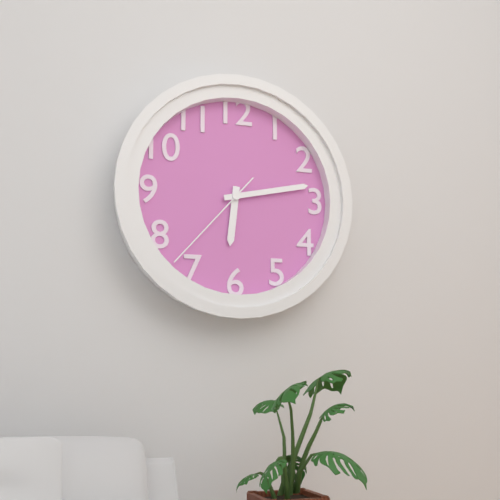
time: 6.13.37
